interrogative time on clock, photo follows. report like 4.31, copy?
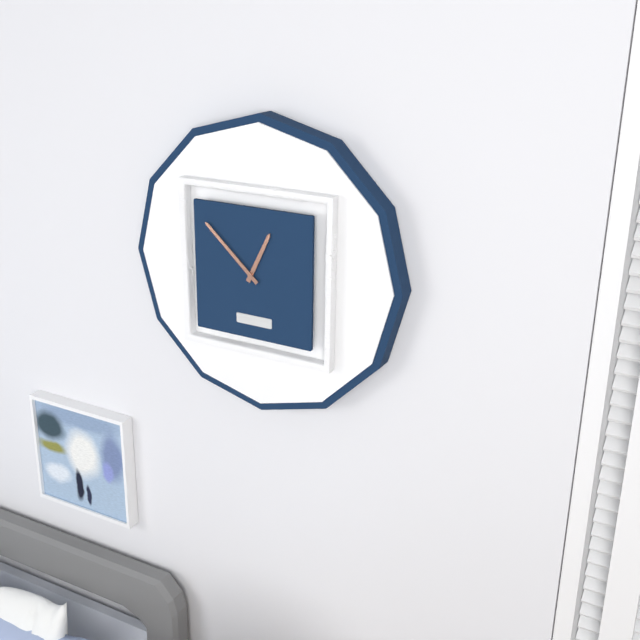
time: 12.52
